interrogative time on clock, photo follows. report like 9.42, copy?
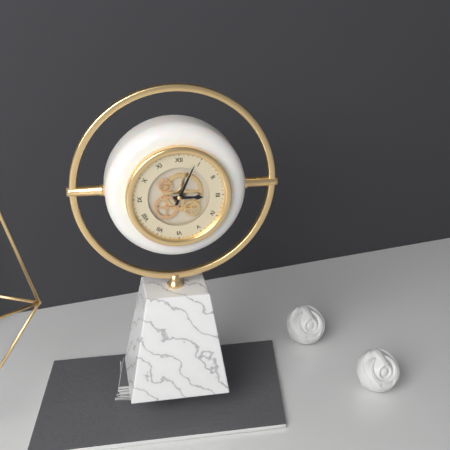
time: 3.04
